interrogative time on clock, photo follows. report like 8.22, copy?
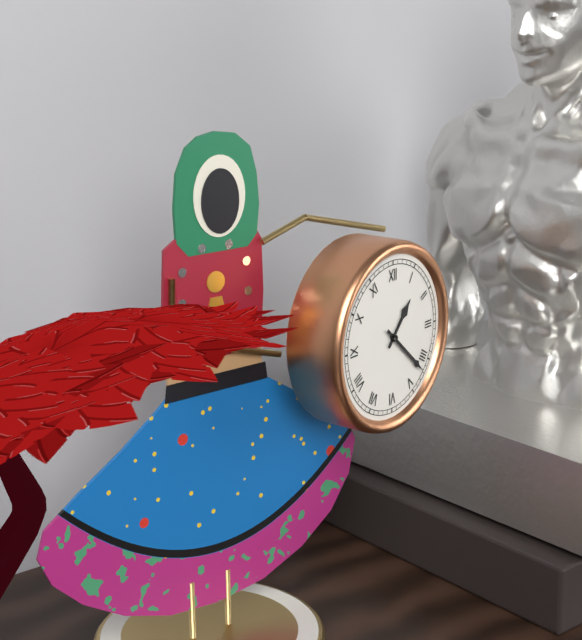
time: 1.22
